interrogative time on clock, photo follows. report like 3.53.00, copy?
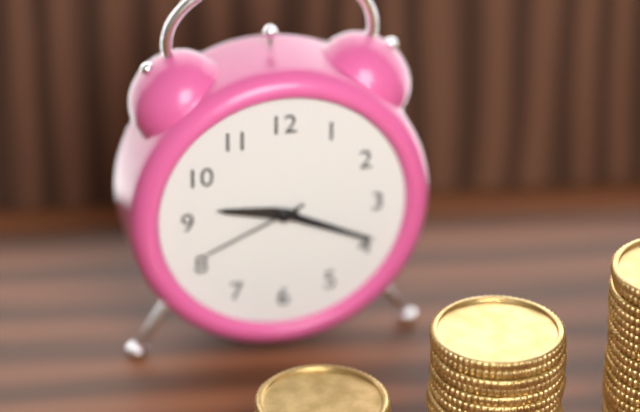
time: 9.19.41
